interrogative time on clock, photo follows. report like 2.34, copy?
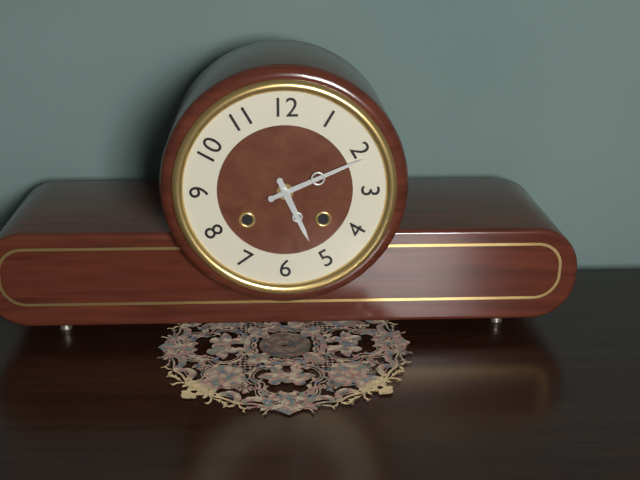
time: 5.11
